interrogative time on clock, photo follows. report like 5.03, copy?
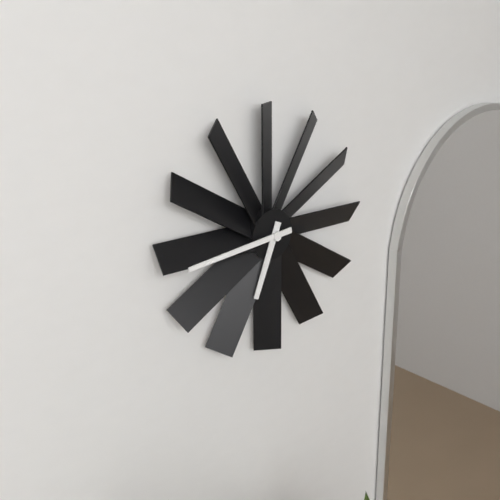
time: 6.44
